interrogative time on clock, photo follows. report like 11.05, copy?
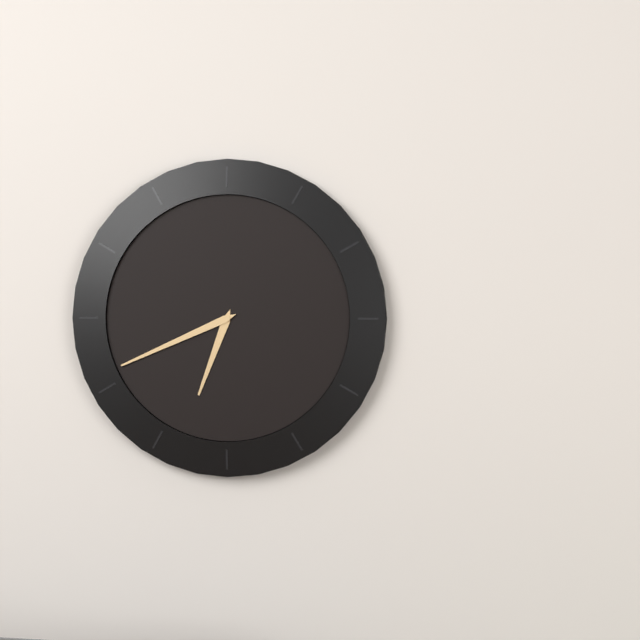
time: 6.41
